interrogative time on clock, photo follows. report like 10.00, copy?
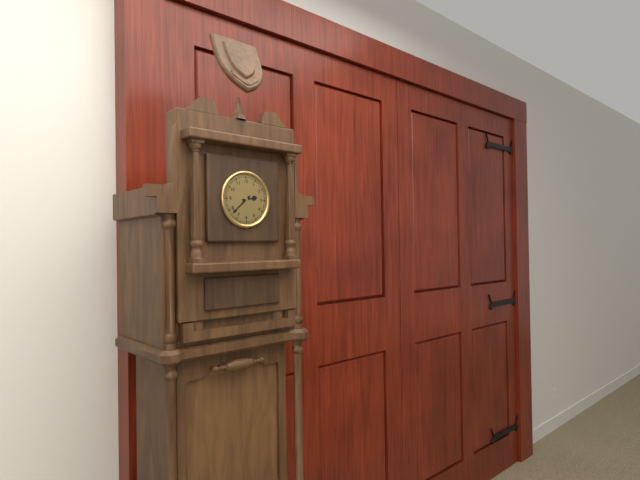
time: 2.38
